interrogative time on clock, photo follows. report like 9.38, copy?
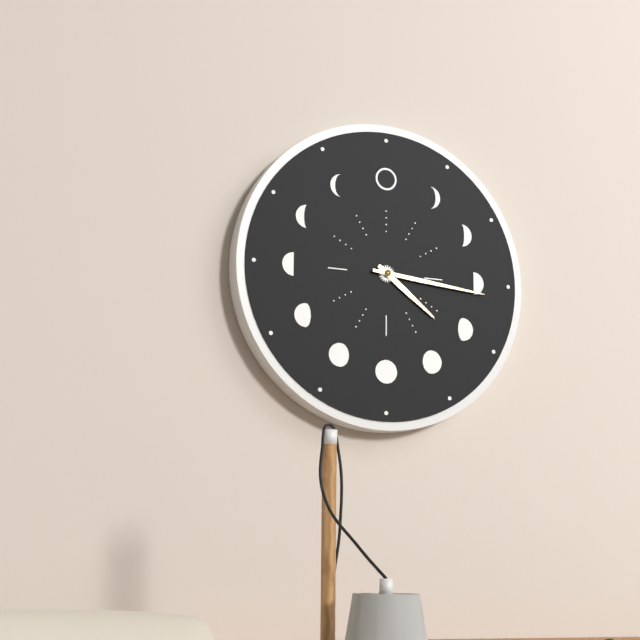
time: 4.16
